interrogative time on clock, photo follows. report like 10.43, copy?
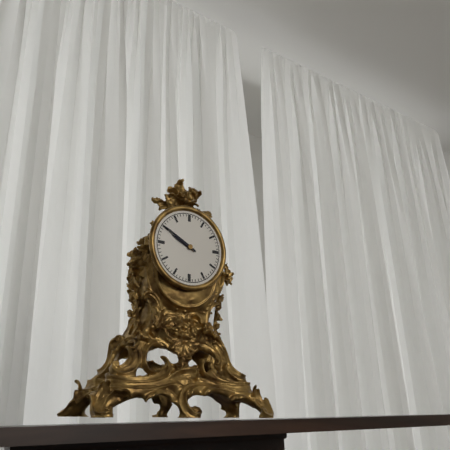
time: 9.50
